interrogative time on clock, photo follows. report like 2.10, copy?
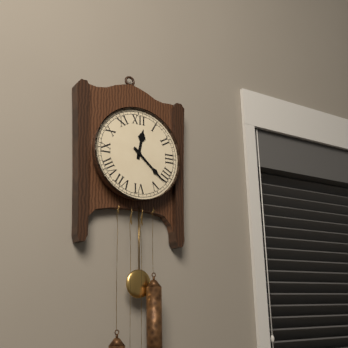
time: 12.22
